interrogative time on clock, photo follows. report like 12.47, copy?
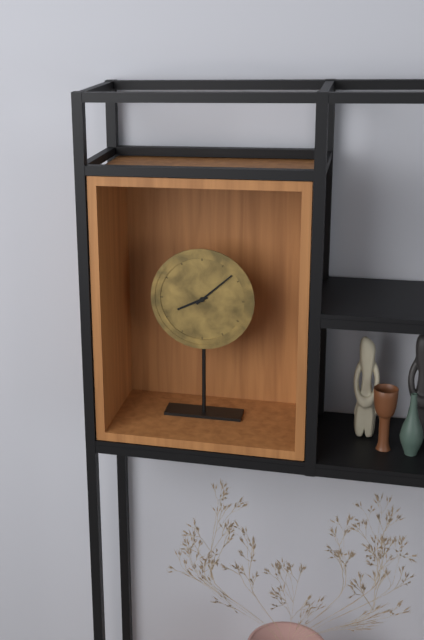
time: 8.08
